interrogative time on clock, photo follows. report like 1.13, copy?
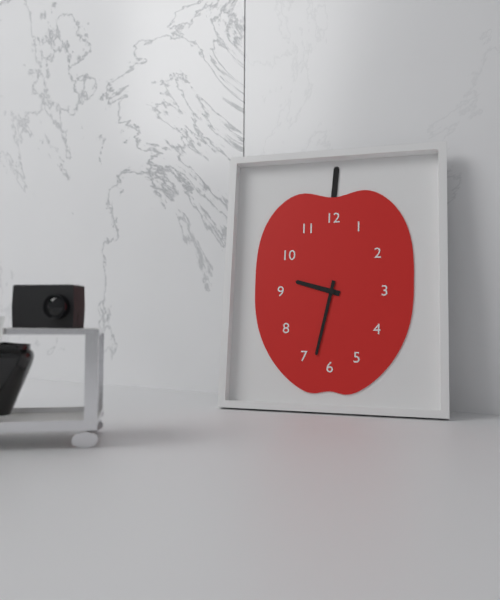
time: 9.32
